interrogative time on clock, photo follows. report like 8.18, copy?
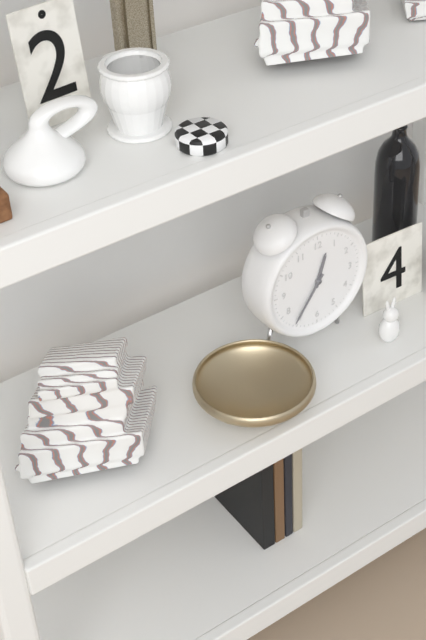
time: 12.36
